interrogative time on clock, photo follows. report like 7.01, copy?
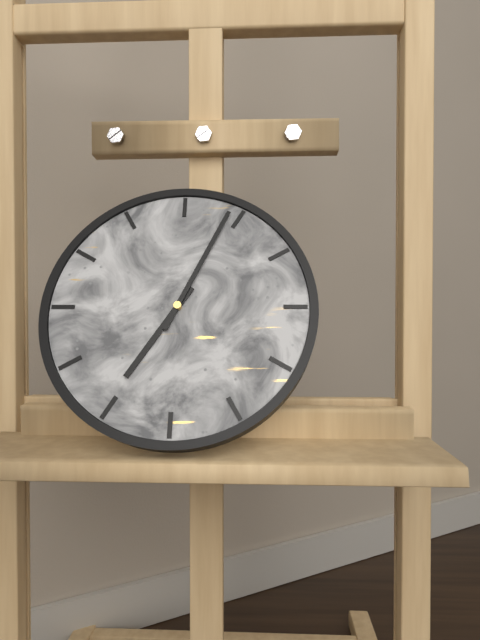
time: 7.04
